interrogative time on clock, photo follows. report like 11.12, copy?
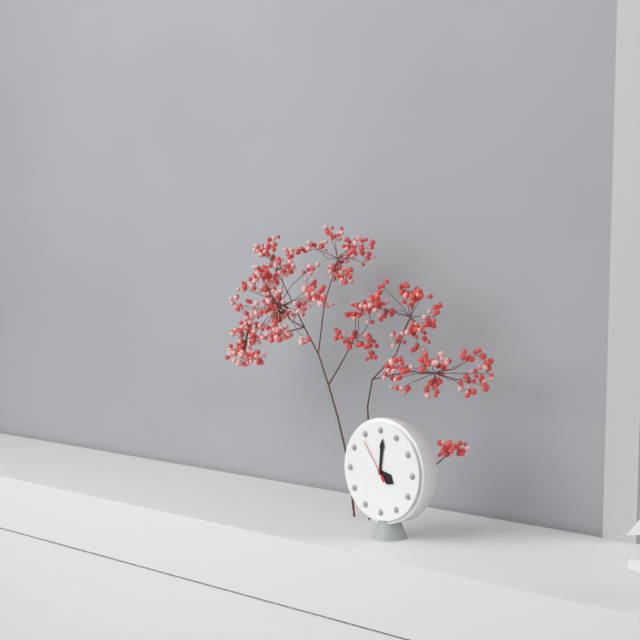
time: 4.01
